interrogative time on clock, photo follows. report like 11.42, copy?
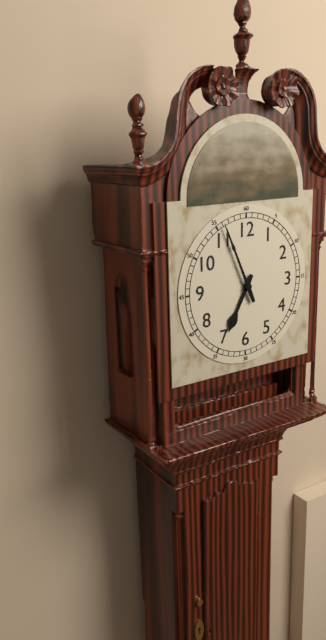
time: 6.56
